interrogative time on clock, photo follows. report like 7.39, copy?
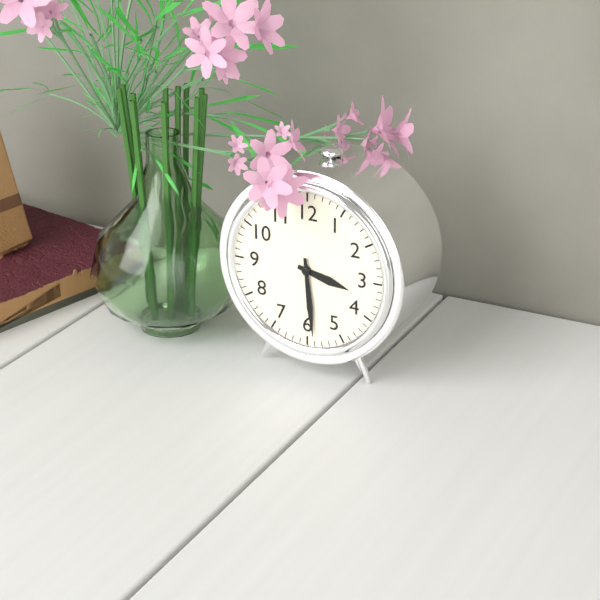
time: 3.29
